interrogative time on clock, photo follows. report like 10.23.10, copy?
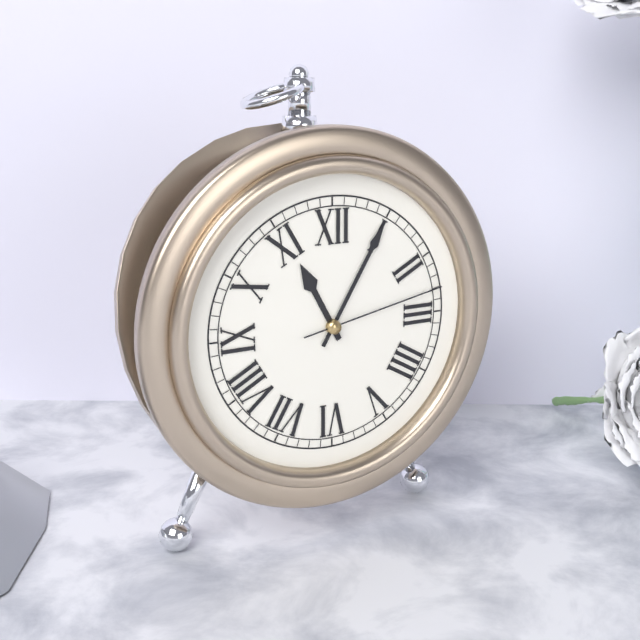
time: 11.05.13
